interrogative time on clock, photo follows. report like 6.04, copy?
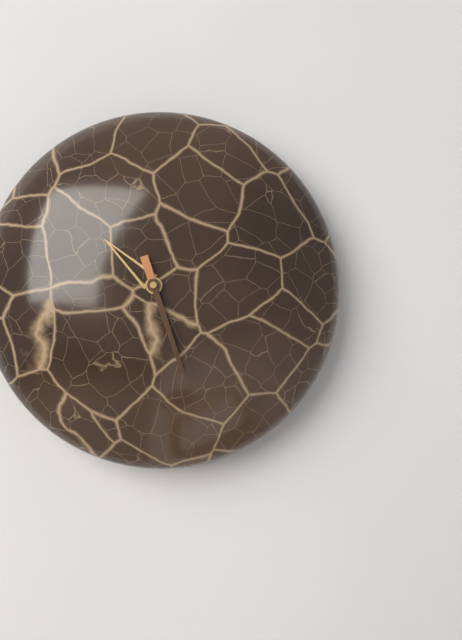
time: 10.27
